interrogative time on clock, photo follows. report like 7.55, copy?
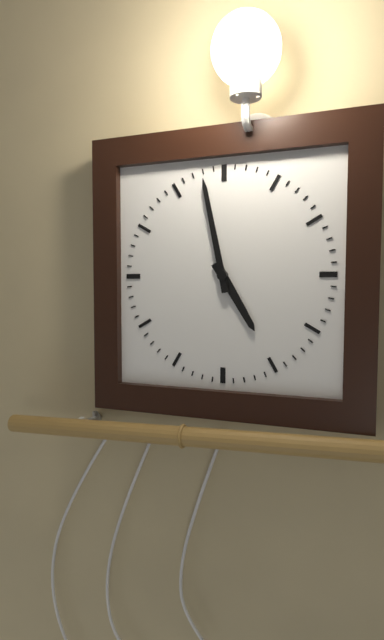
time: 4.58
